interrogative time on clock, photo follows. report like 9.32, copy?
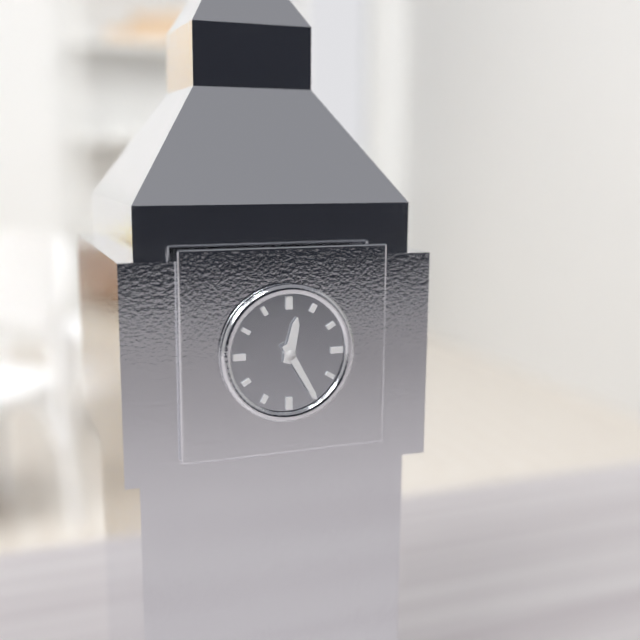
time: 12.25
